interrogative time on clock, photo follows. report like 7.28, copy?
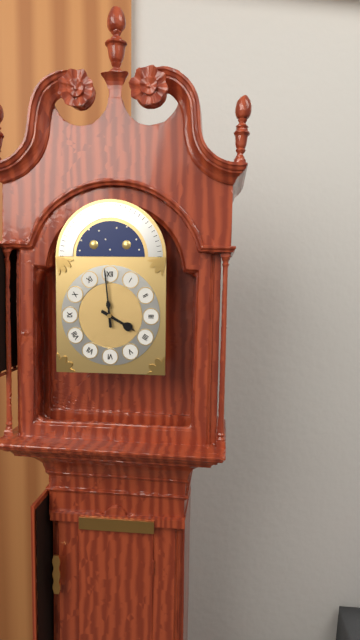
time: 3.59
